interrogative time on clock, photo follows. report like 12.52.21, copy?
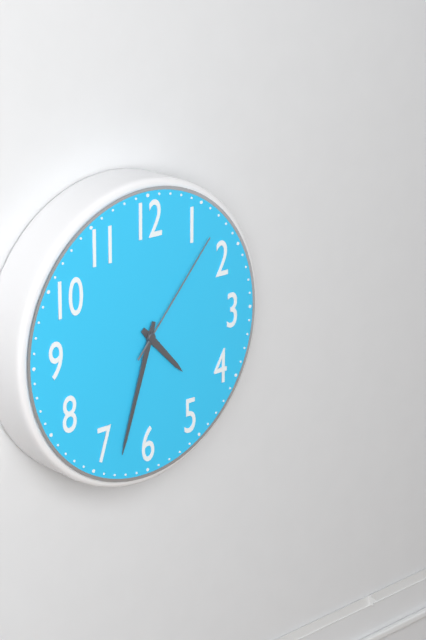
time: 4.33.07
